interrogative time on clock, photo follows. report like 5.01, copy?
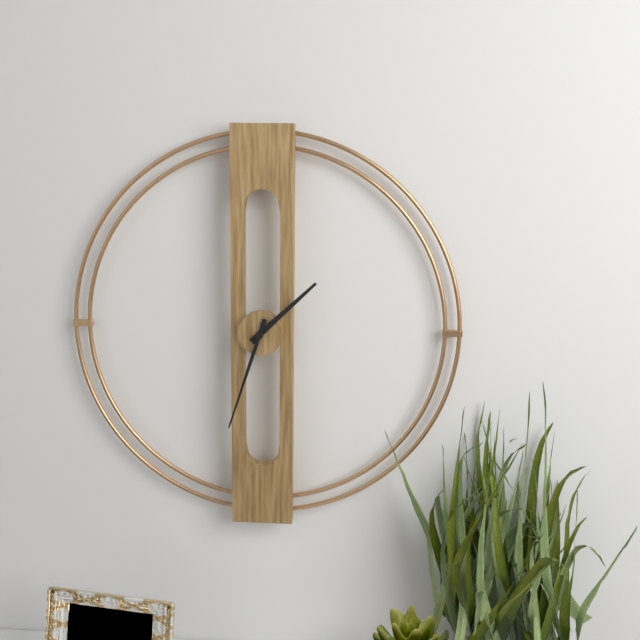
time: 1.33
